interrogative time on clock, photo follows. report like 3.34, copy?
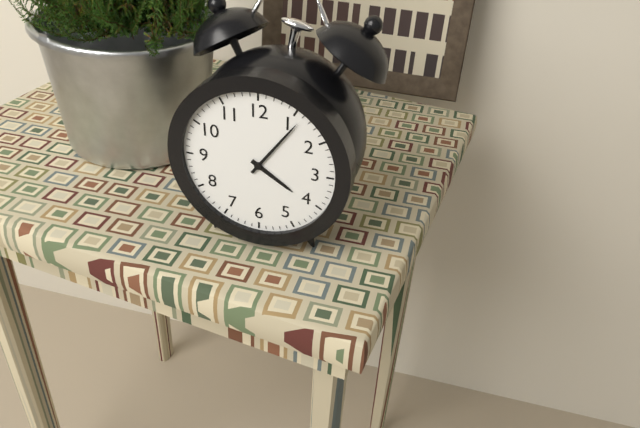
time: 4.06
